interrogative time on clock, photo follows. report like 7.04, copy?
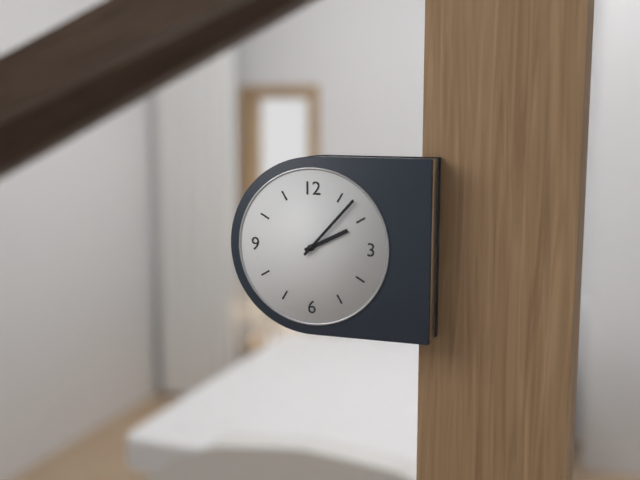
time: 2.07
